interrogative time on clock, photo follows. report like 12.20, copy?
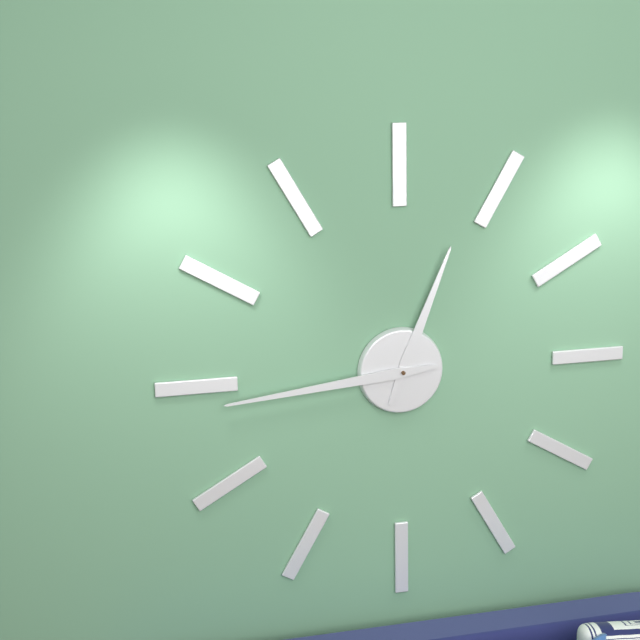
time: 12.44
